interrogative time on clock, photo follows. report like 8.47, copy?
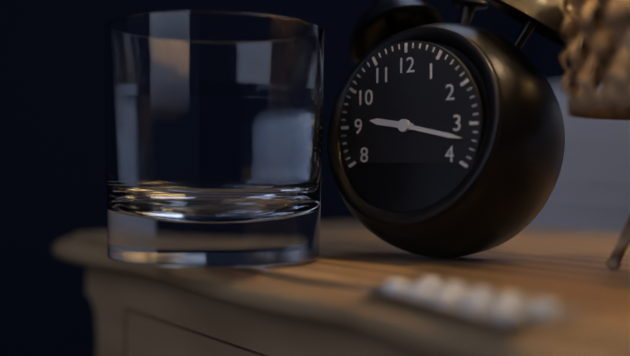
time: 9.17
